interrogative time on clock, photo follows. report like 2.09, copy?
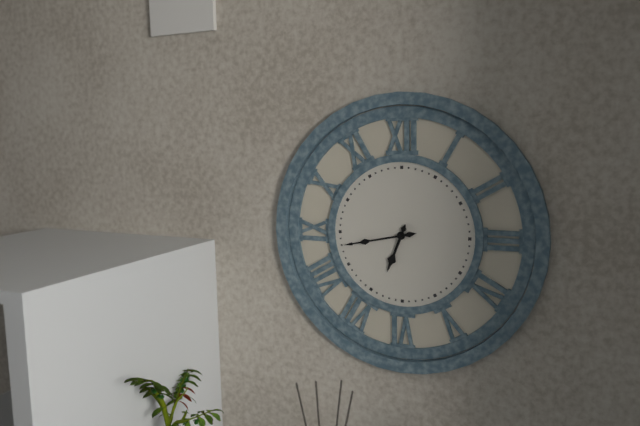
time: 6.43
